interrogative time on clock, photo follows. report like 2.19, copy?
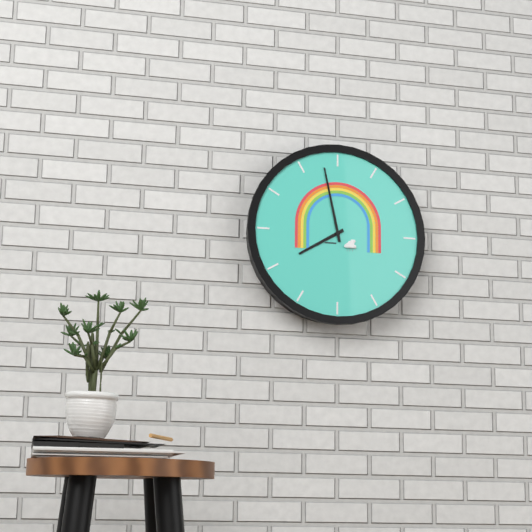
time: 7.58
